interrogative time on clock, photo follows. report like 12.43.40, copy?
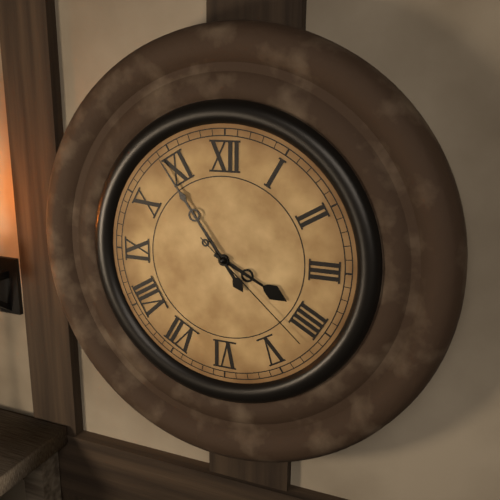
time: 3.54.22
